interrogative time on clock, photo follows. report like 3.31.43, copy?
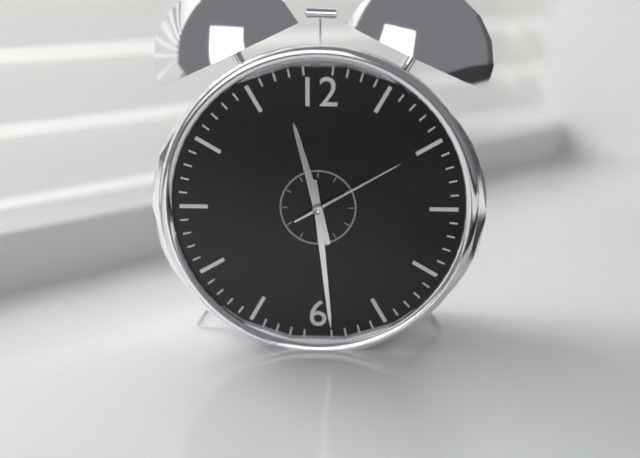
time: 11.29.10
